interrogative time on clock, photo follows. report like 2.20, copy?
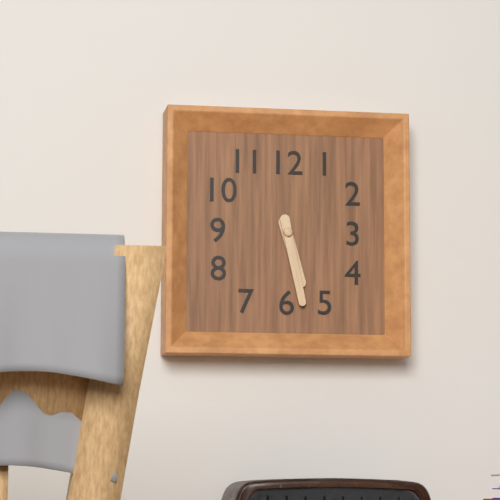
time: 5.28
